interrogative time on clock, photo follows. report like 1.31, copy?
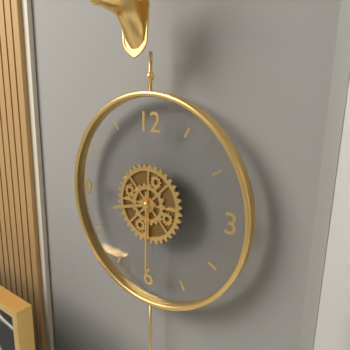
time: 8.30
